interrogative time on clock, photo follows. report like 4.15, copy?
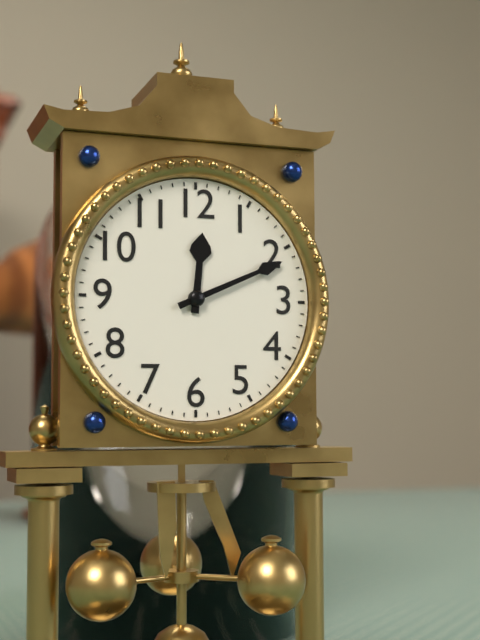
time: 12.11
